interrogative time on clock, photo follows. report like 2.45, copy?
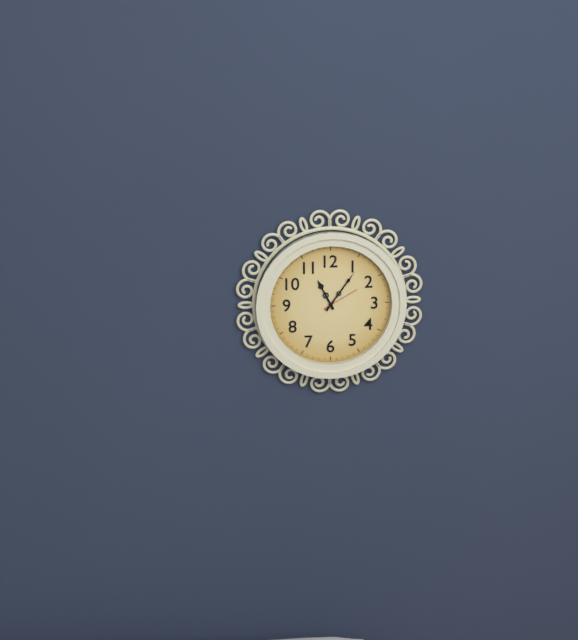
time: 11.06
